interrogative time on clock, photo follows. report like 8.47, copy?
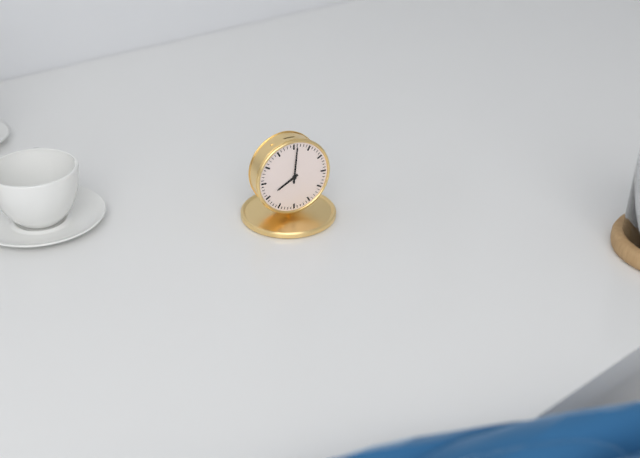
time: 8.01
